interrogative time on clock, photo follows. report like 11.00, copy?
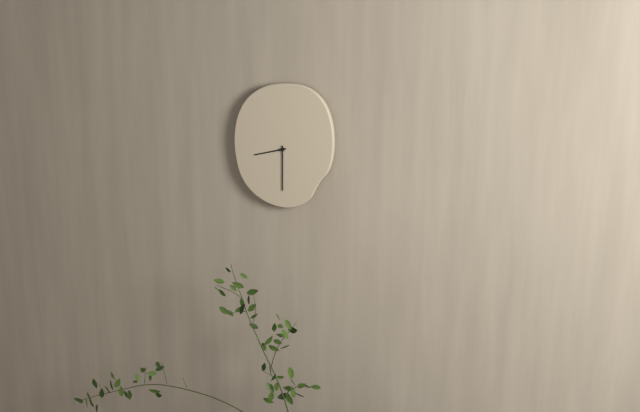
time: 8.30
